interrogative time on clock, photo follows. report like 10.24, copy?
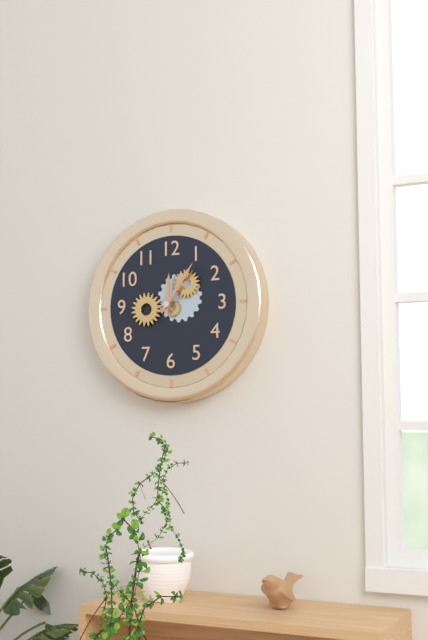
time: 12.06
